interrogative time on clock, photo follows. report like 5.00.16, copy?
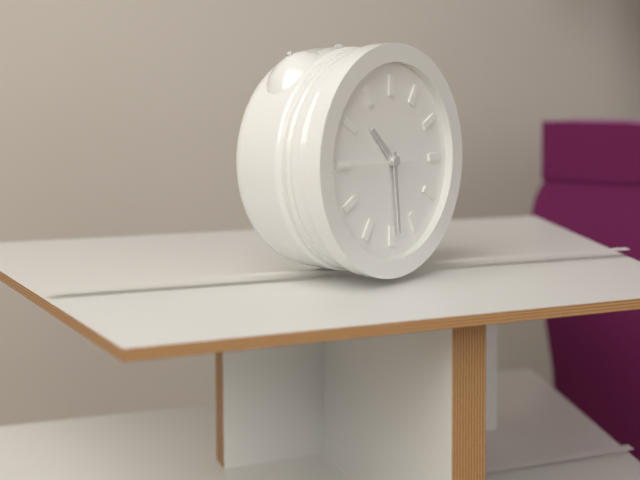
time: 10.29.45
